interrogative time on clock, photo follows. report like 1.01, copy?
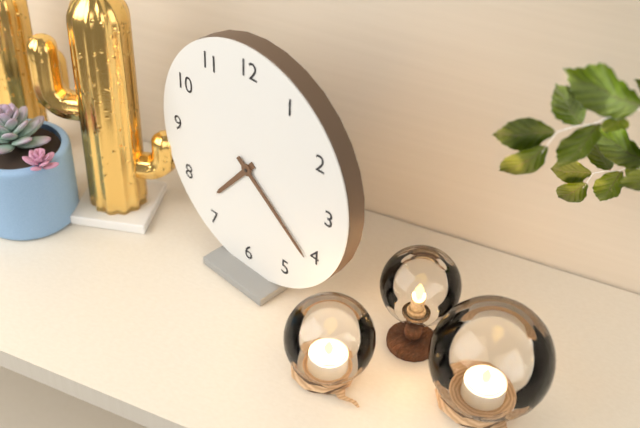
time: 7.21
